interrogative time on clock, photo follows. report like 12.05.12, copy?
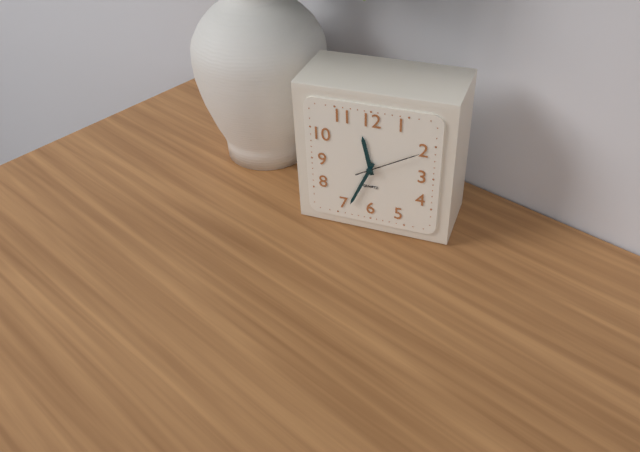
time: 11.34.10
